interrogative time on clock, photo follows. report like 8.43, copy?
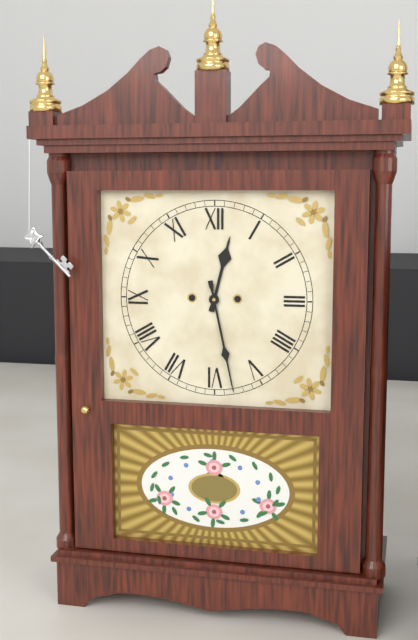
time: 12.28
